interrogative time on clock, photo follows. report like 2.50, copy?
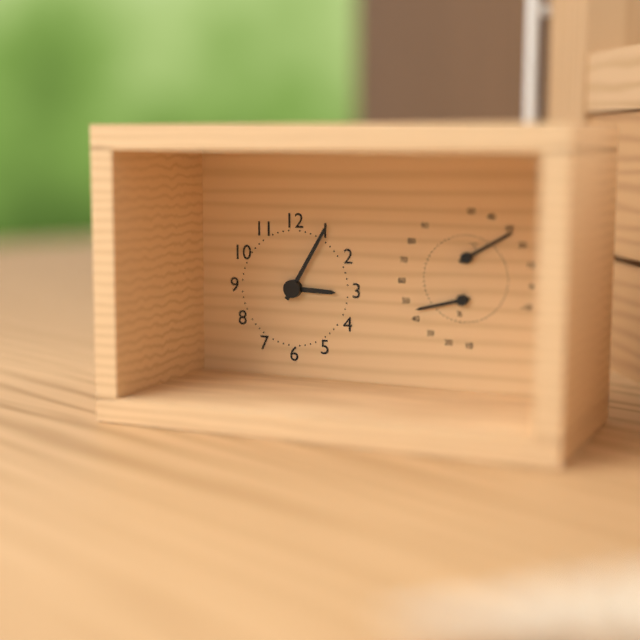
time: 3.05
